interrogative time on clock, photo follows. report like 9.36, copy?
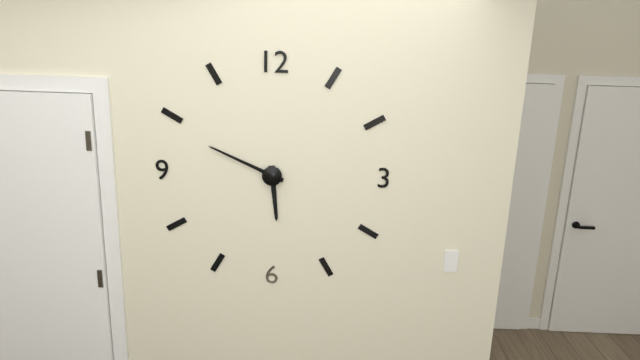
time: 5.49
